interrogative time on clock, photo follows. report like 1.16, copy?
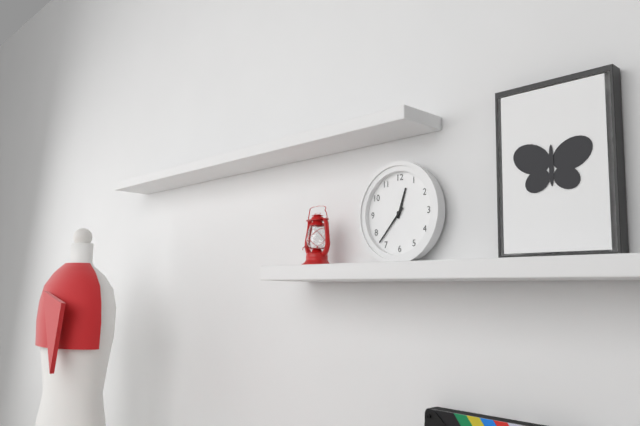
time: 12.37
